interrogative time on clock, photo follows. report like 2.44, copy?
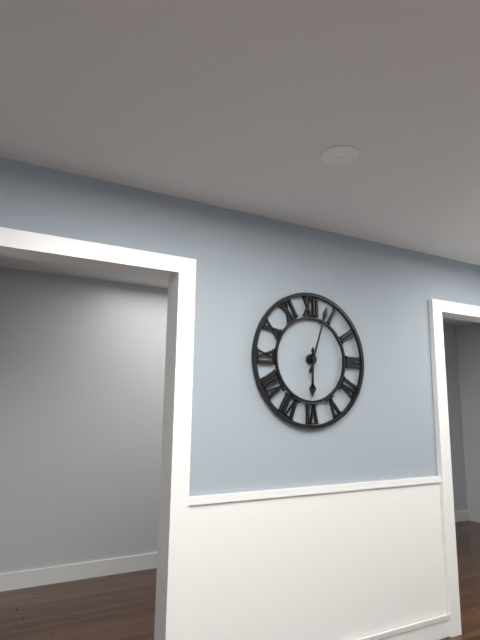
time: 6.03
